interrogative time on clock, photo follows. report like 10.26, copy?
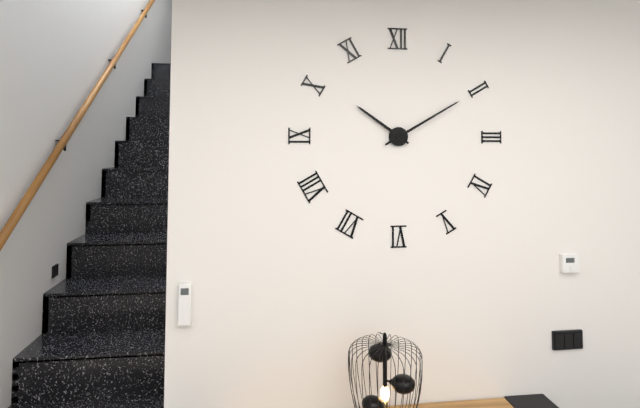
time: 10.10
